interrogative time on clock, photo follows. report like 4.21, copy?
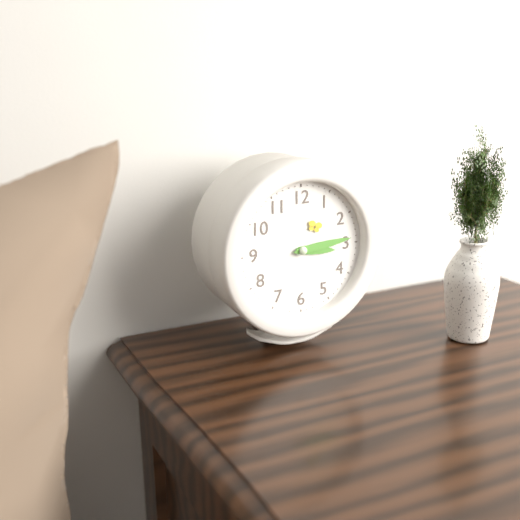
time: 3.14
